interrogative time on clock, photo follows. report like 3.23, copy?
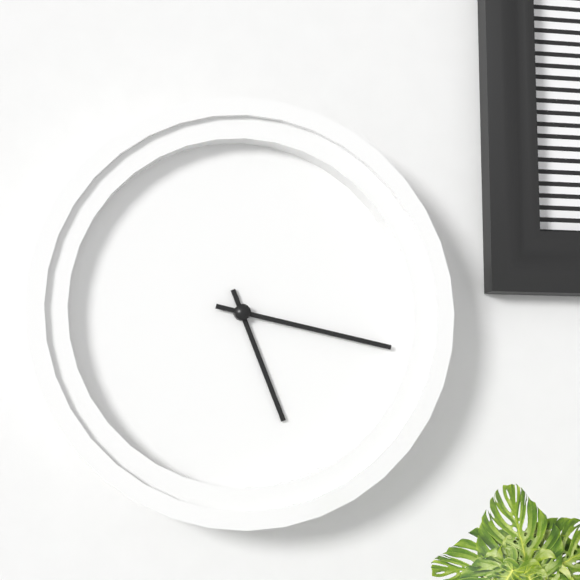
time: 5.17
